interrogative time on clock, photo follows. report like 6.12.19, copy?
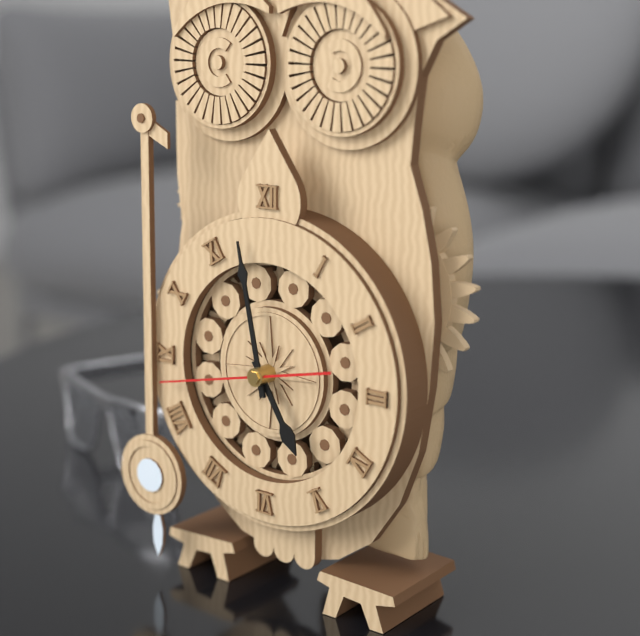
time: 4.58.43
